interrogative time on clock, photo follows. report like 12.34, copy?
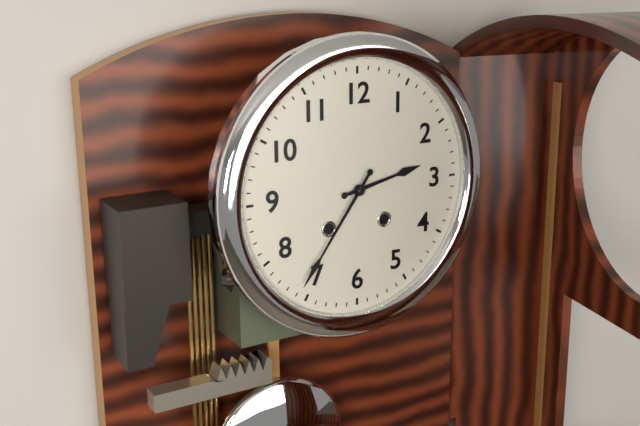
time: 2.36
